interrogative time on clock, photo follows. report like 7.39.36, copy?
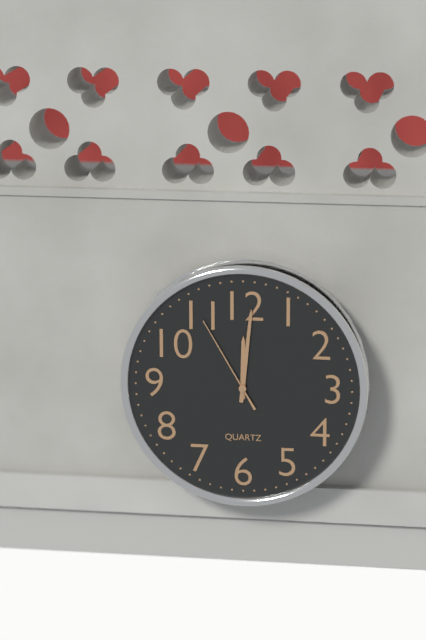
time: 12.01.55
